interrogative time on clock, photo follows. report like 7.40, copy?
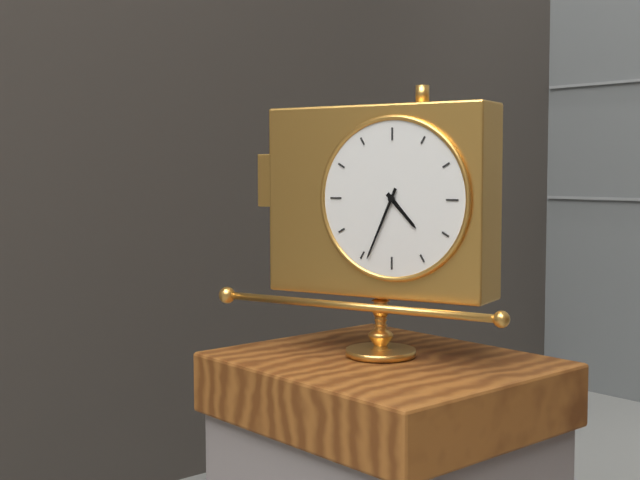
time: 4.34
